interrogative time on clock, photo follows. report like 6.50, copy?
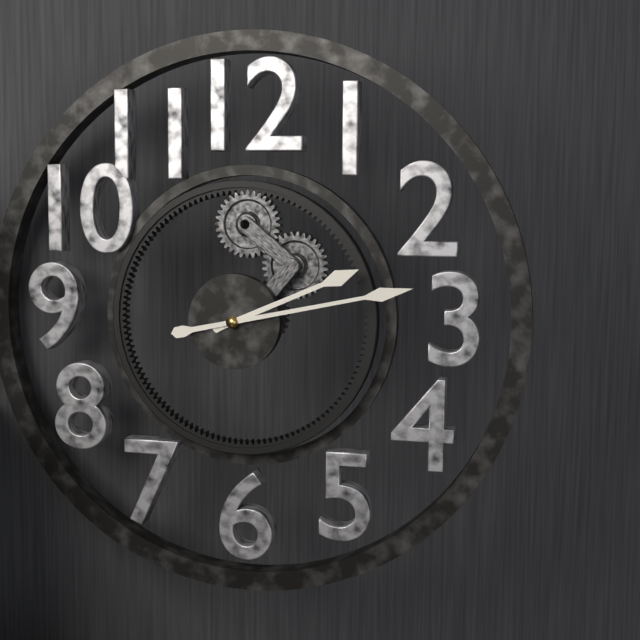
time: 2.13
